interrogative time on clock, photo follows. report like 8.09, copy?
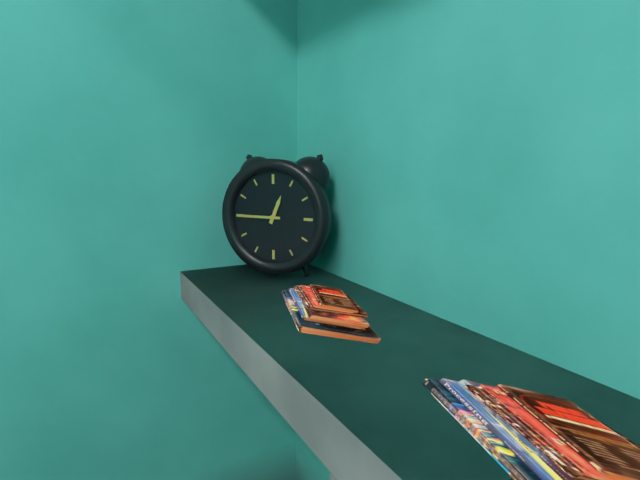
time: 12.45
